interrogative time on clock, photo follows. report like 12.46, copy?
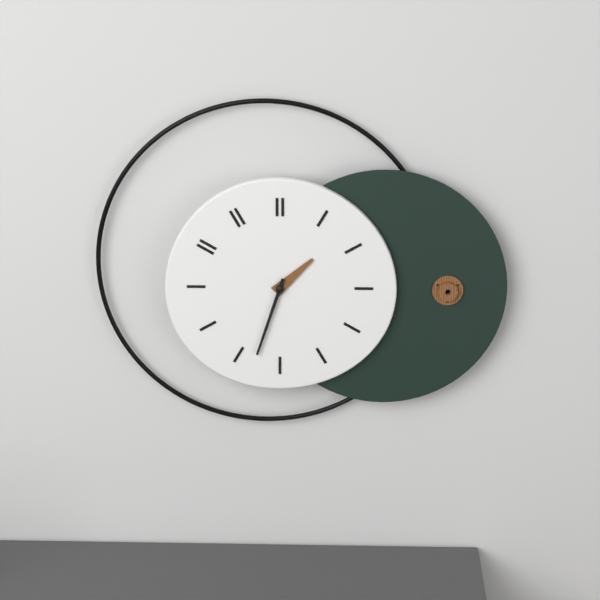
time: 1.33
